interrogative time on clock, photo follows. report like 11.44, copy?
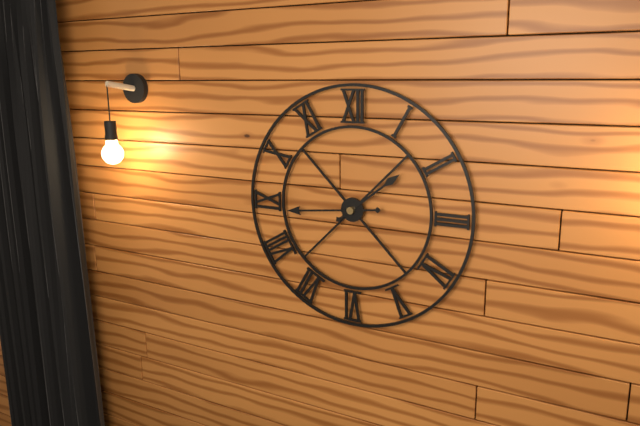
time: 1.44
